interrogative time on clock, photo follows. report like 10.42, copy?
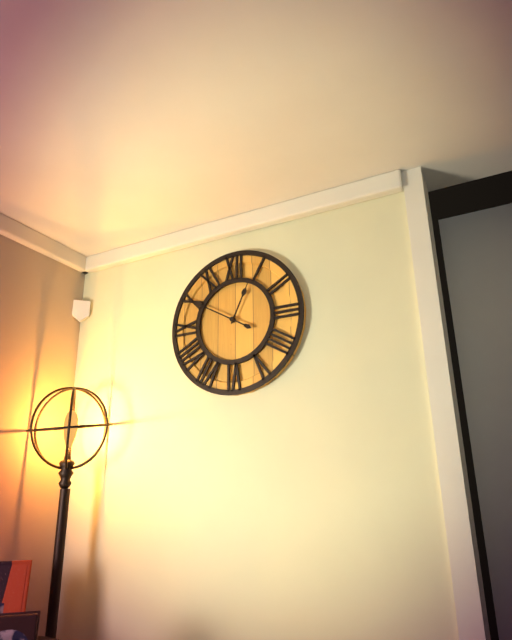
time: 12.50
